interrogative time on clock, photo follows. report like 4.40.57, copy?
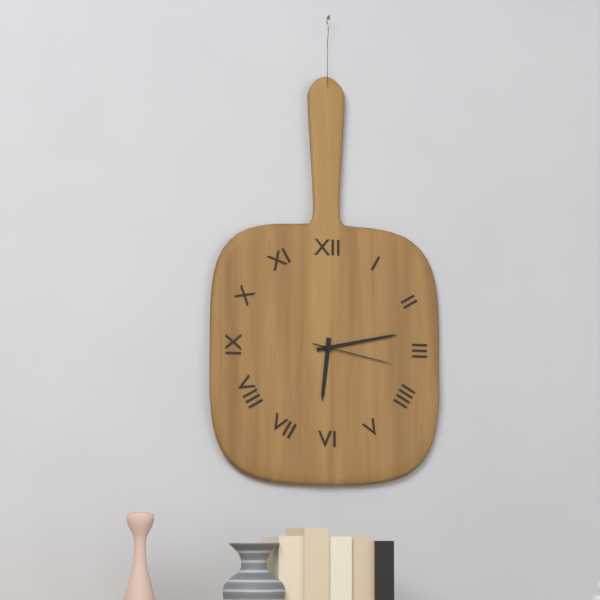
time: 6.13.17
